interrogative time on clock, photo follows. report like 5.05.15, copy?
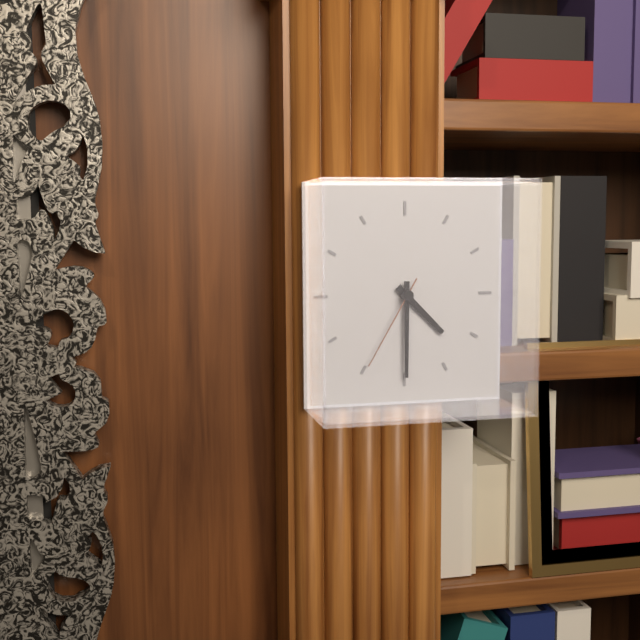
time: 4.30.35
